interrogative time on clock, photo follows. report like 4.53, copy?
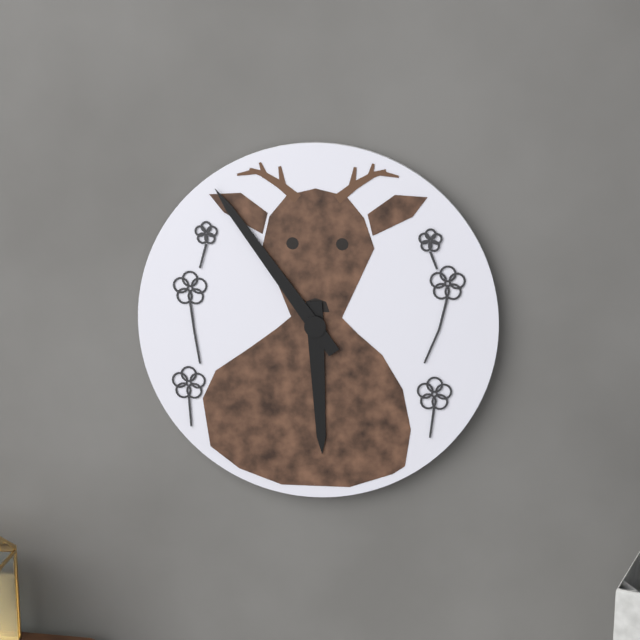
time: 5.54
